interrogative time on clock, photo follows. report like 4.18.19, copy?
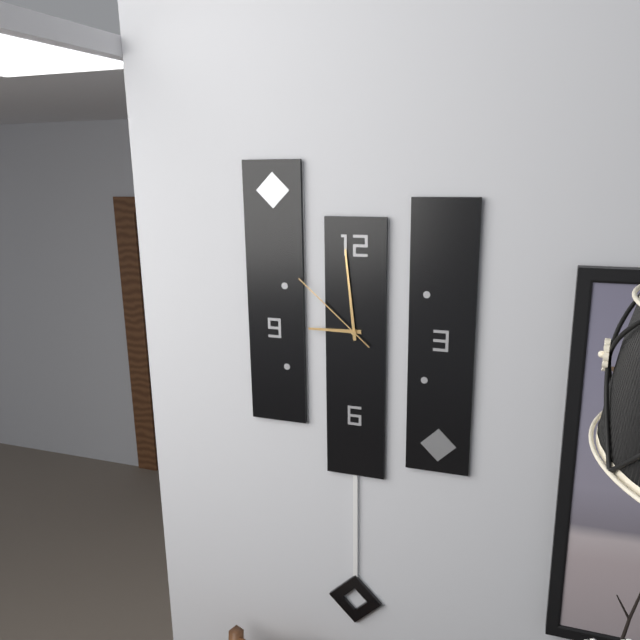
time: 8.59.52
